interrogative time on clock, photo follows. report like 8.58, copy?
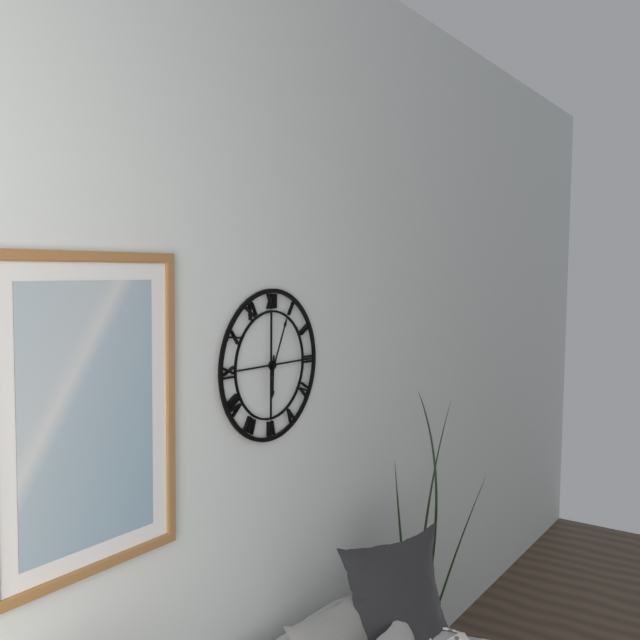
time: 6.04
